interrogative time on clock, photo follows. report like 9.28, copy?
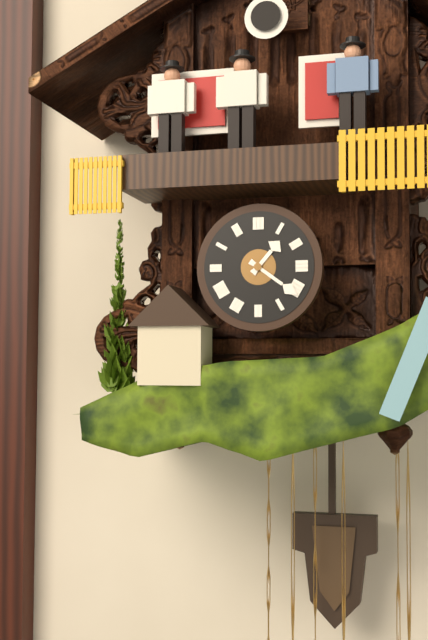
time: 1.21
